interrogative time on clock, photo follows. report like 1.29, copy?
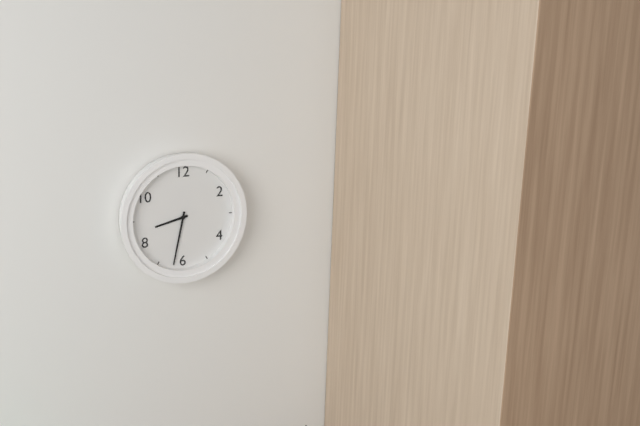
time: 8.32
